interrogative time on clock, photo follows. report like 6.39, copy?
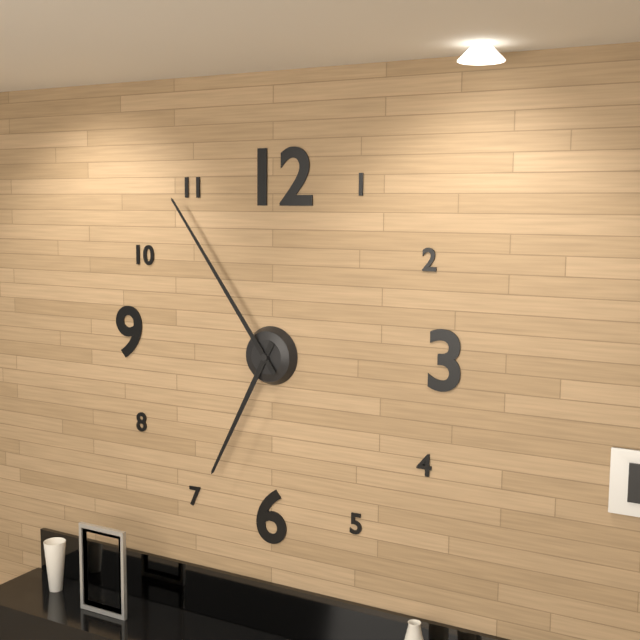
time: 6.54
